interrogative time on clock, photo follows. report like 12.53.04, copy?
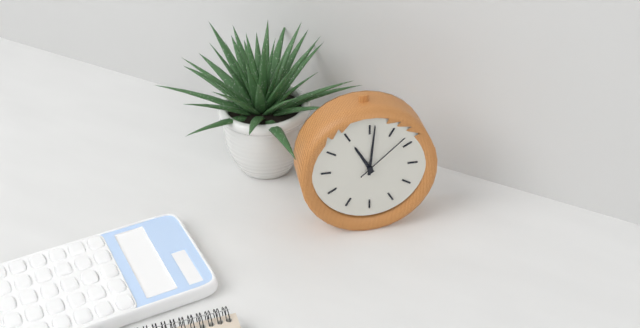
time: 11.01.08
